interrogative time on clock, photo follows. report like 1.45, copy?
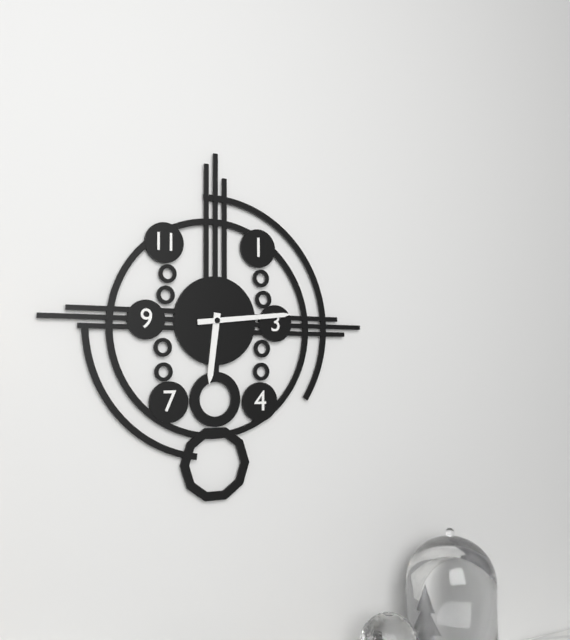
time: 6.14
